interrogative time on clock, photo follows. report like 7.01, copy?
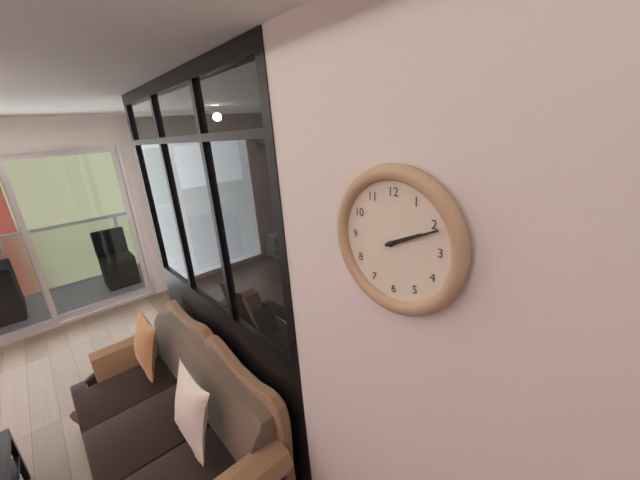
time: 2.11
